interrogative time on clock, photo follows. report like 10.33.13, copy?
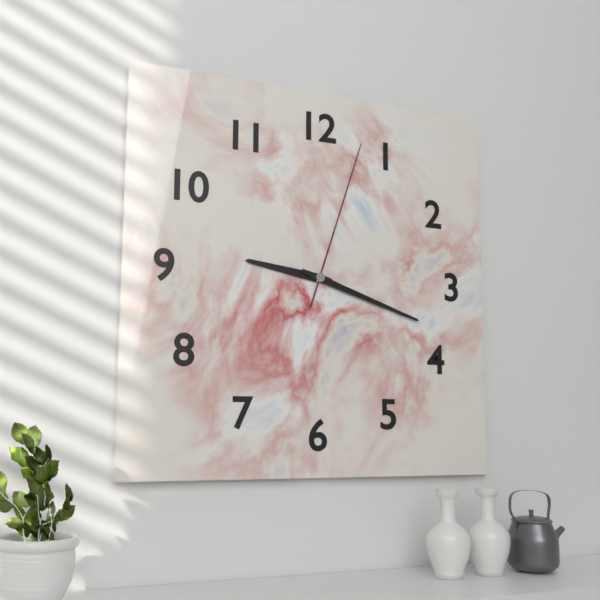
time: 9.18.03
